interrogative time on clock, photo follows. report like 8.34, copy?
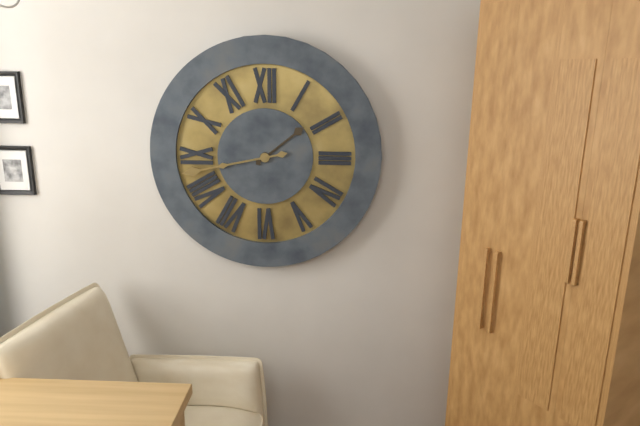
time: 1.43
